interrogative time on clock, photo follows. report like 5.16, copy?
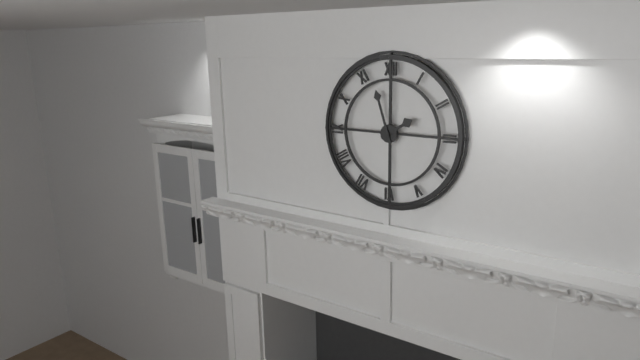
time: 1.57
